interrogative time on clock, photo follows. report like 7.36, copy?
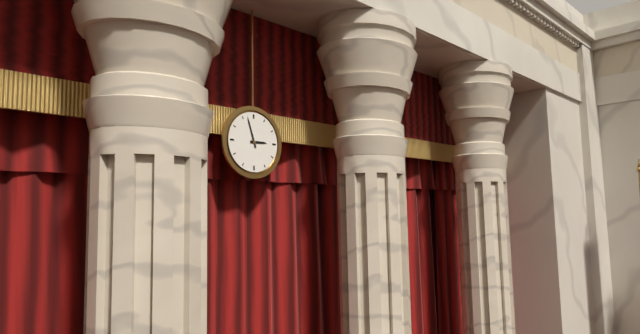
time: 2.57
